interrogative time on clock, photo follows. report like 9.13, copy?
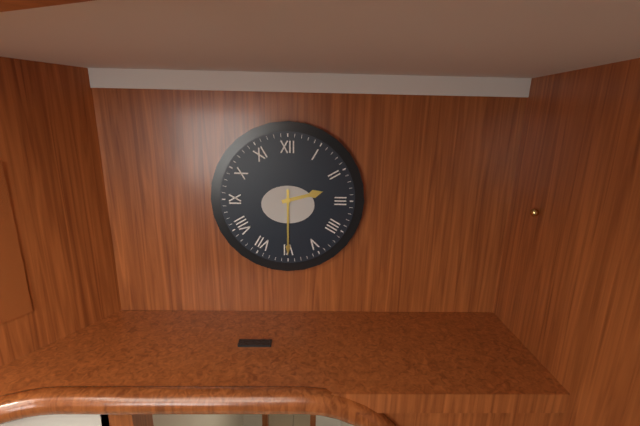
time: 2.30
